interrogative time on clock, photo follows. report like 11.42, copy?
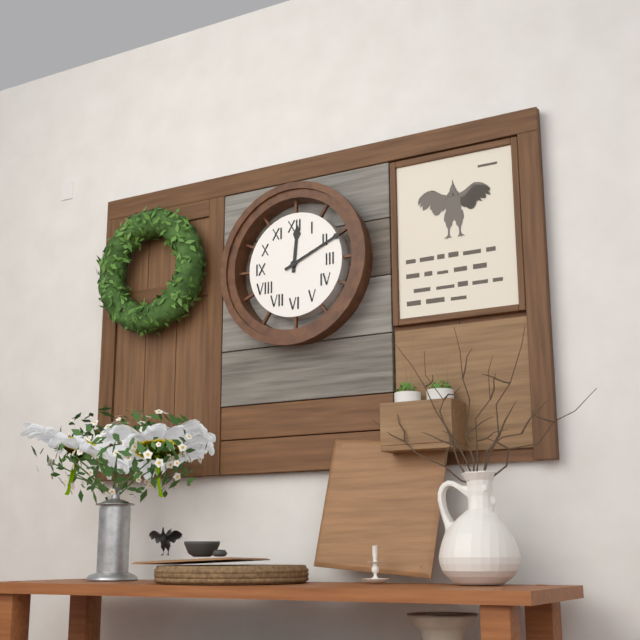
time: 12.11
